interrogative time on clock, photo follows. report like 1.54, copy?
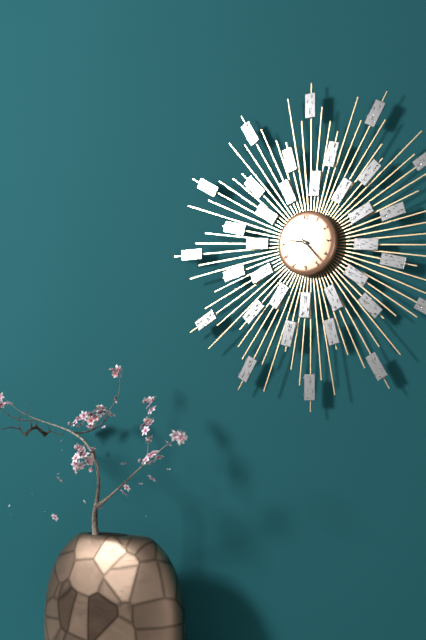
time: 9.23
